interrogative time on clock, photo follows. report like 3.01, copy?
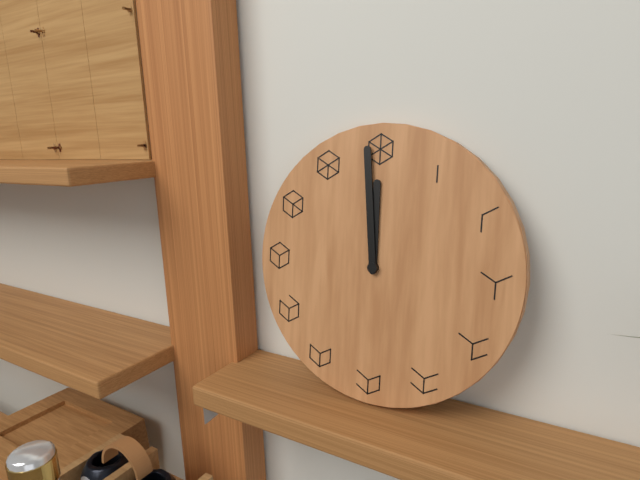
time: 11.59
